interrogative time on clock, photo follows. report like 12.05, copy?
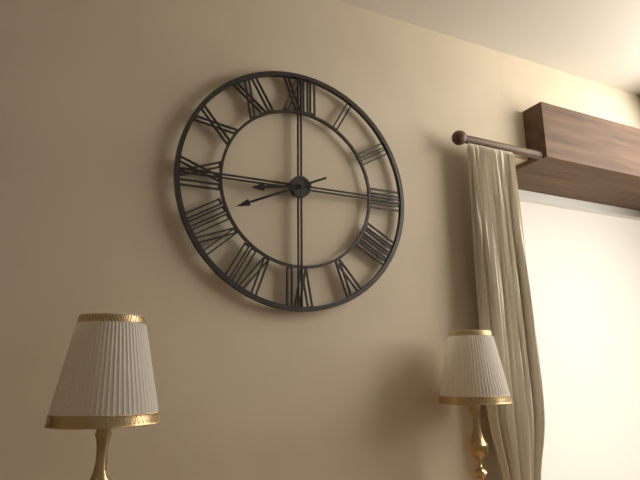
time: 8.41
